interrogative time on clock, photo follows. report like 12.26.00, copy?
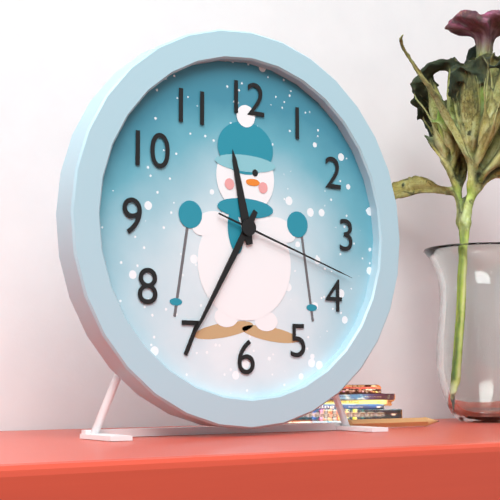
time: 11.35.18
